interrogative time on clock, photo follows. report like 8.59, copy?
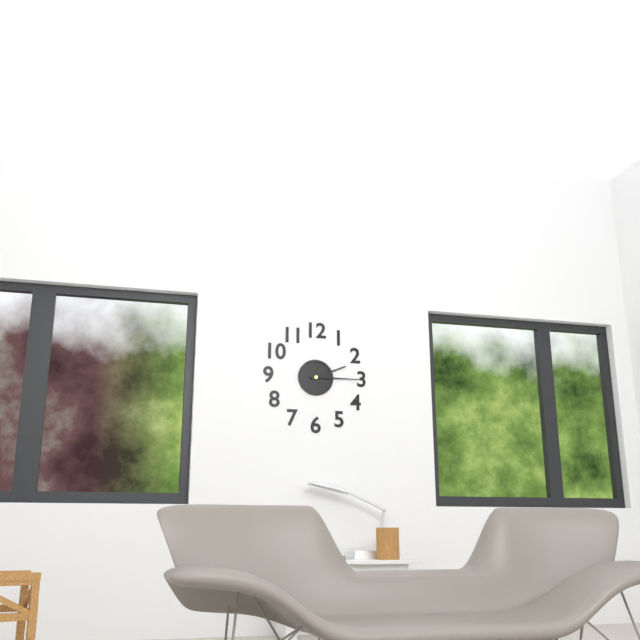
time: 2.15
